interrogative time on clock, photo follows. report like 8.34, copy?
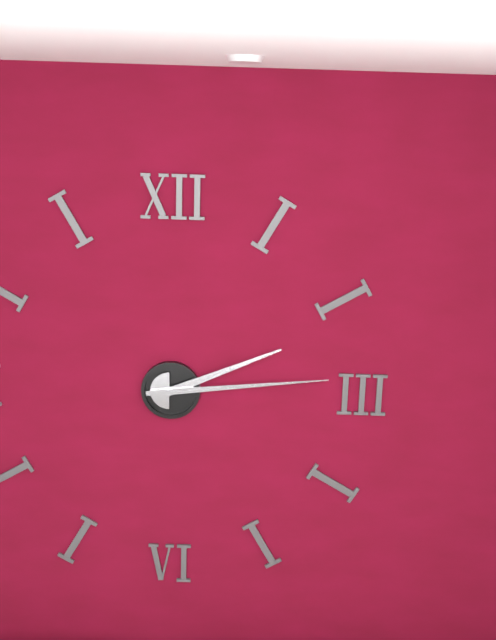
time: 2.14
